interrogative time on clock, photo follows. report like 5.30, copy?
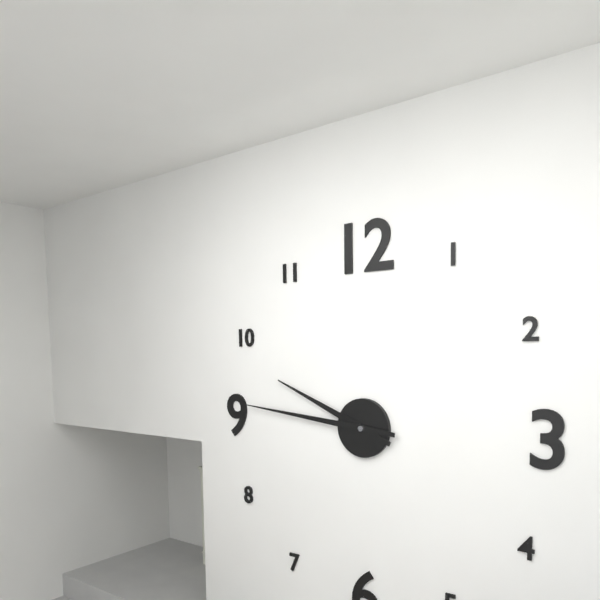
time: 9.46
